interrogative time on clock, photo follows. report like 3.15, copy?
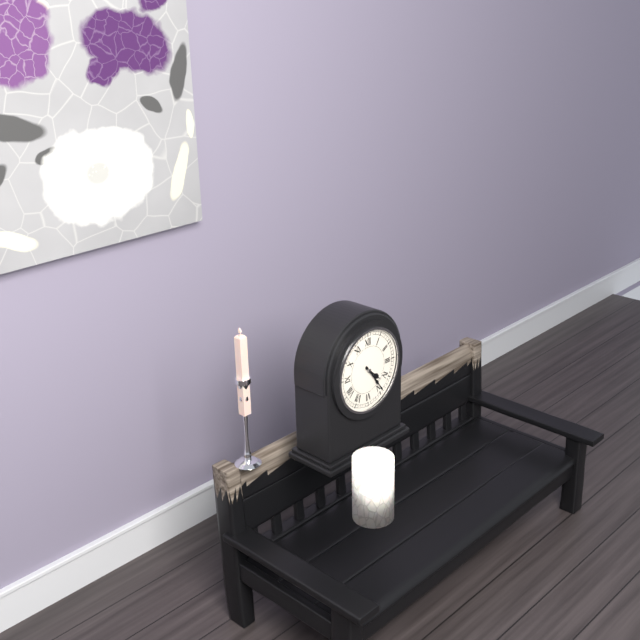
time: 4.24
